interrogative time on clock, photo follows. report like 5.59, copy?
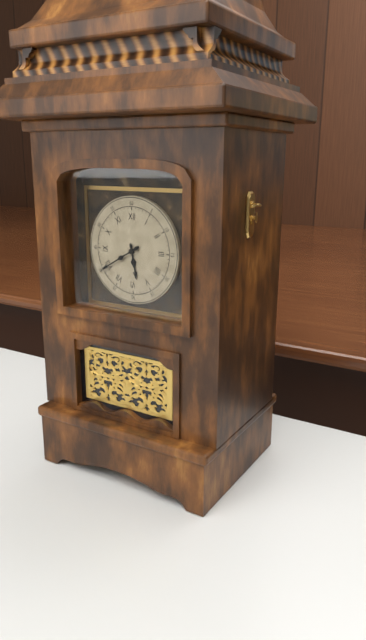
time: 5.40
